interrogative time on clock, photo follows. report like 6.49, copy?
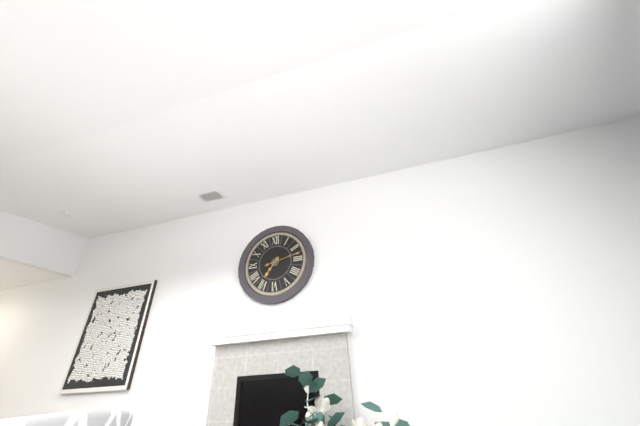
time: 7.13
